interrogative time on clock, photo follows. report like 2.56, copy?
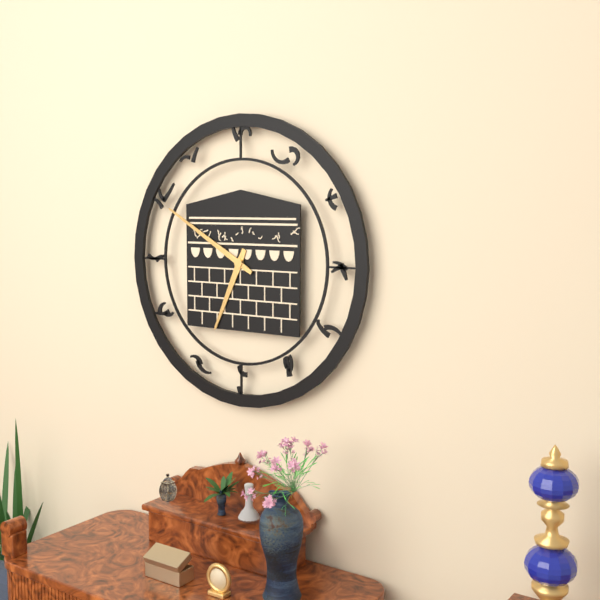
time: 6.50
